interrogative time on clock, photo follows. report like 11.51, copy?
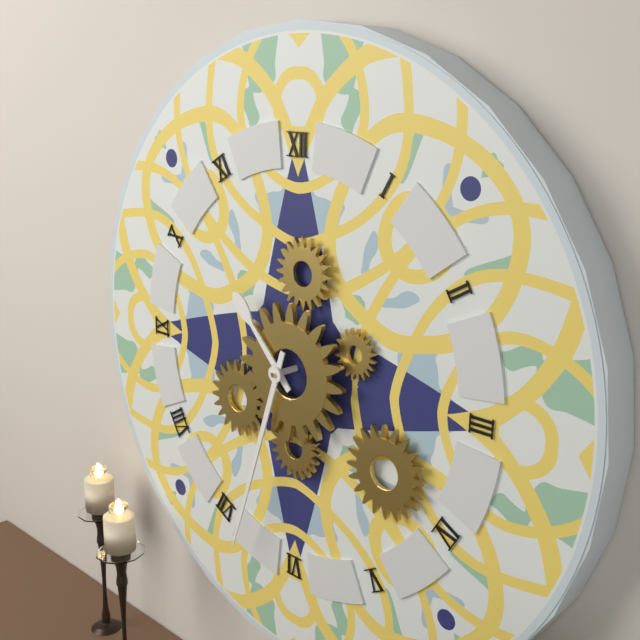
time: 10.33
